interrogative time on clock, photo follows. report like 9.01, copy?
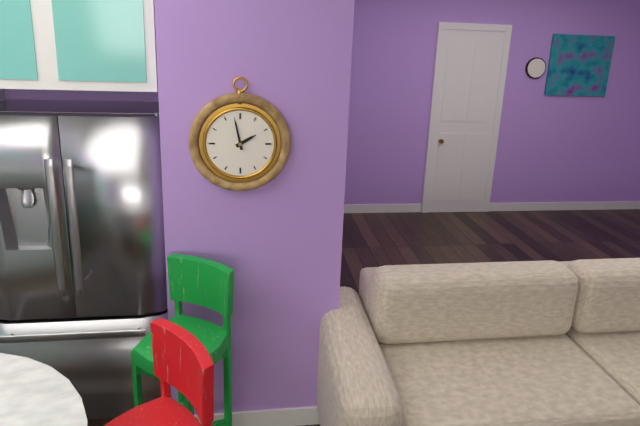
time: 1.58
